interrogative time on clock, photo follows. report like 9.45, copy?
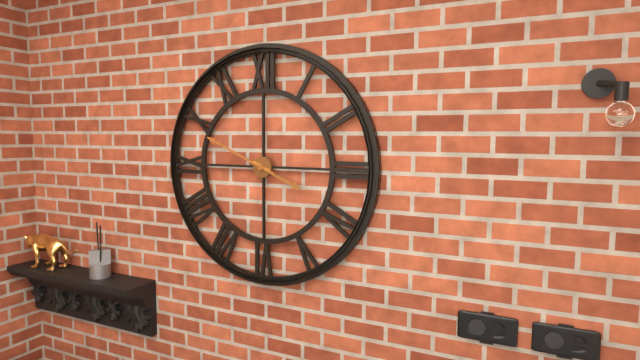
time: 3.49
